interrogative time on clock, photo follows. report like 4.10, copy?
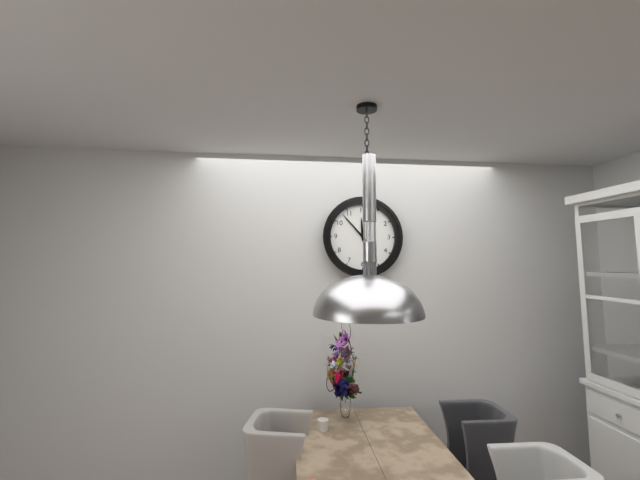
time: 11.53
